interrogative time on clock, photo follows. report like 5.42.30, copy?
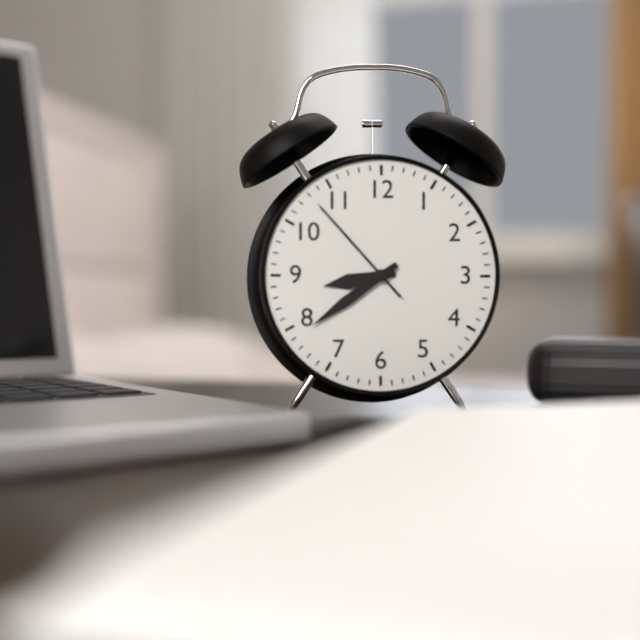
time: 8.39.53
